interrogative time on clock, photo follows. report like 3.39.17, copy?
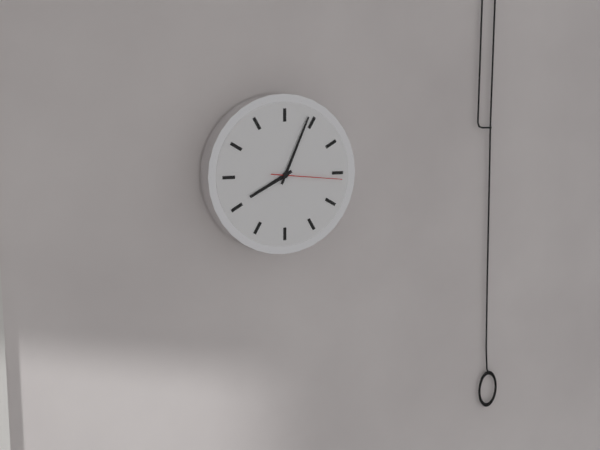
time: 8.04.16
